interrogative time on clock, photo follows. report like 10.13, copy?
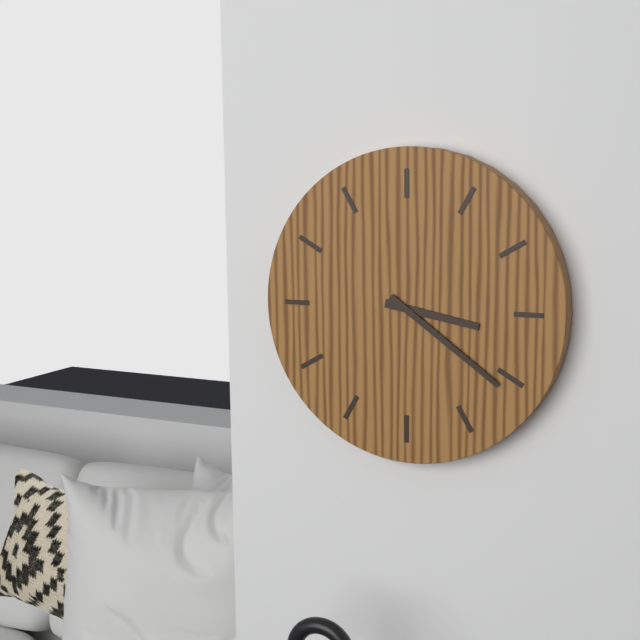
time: 3.21
